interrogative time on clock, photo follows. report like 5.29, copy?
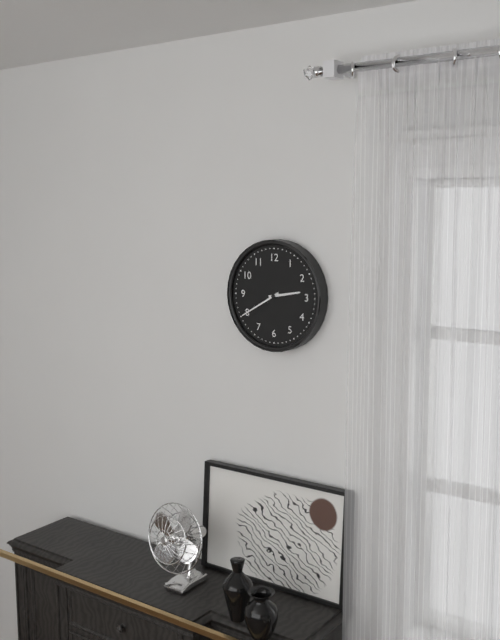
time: 2.40
